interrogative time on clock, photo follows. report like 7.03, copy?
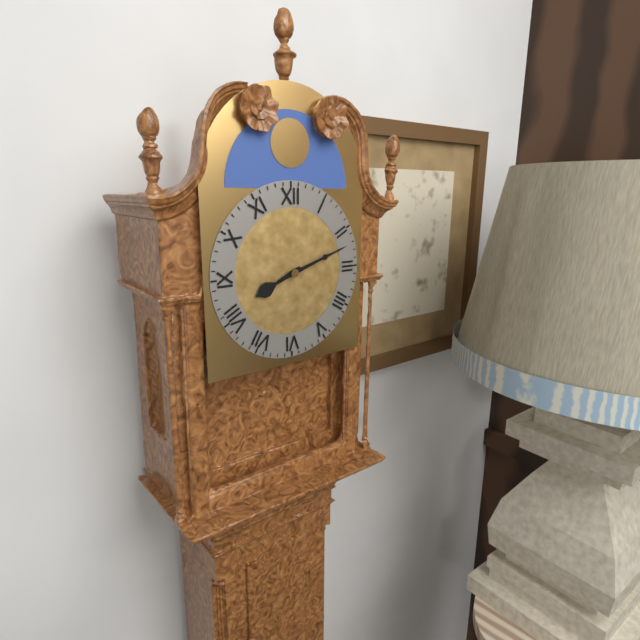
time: 8.12
